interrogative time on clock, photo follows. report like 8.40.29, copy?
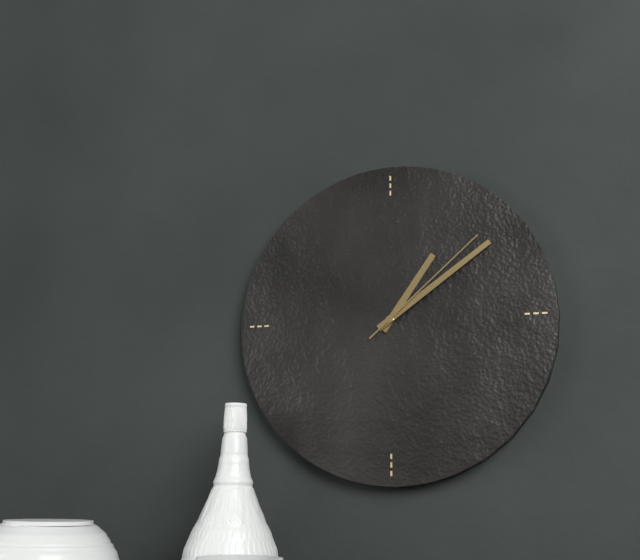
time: 1.09.08
